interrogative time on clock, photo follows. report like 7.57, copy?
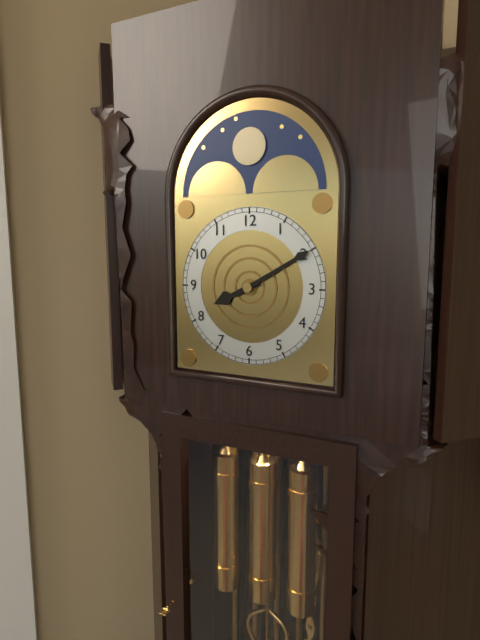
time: 8.10
